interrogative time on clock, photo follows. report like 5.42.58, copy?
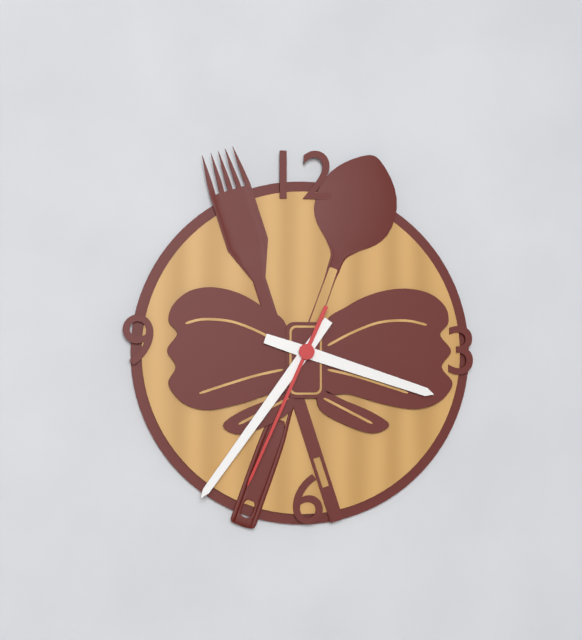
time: 3.36.34
